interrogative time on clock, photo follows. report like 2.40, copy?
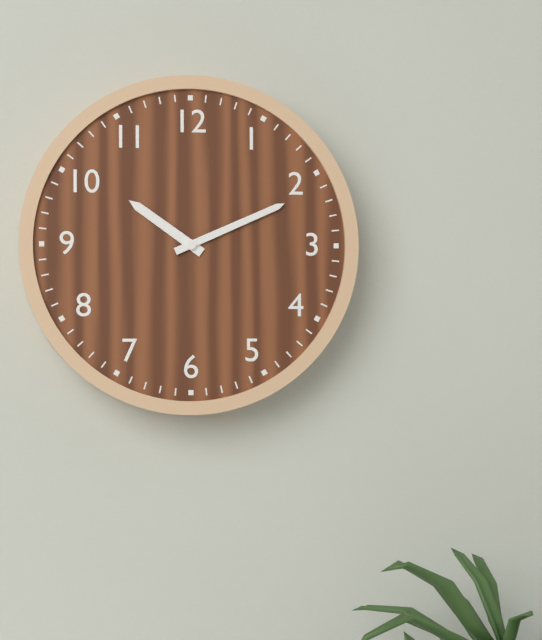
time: 10.11
